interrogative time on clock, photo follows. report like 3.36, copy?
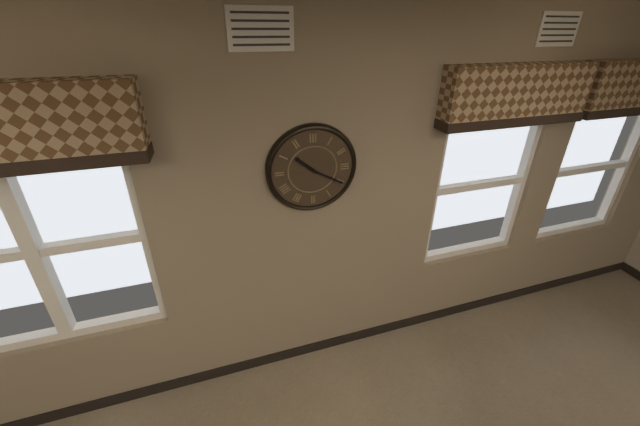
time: 10.20
